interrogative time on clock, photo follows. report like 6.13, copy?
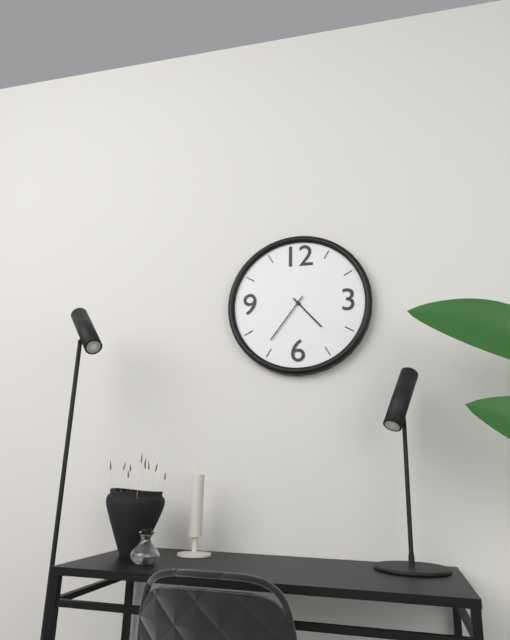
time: 4.36
